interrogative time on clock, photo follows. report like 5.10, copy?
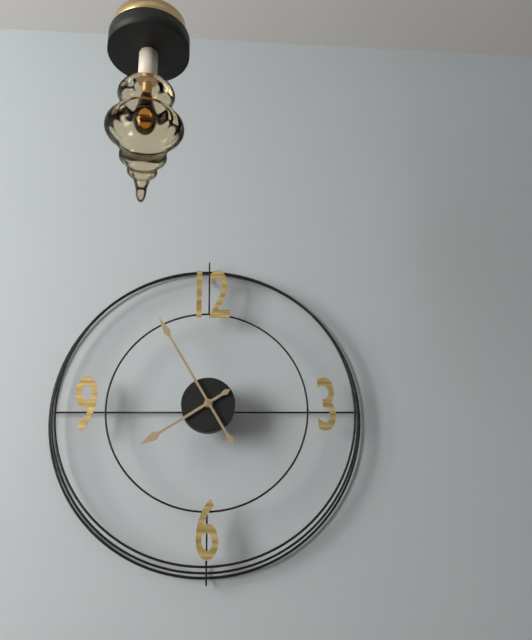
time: 7.55
